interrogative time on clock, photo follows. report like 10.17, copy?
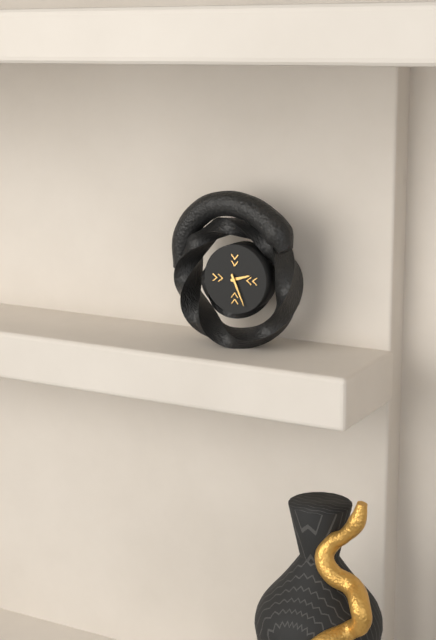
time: 2.26
